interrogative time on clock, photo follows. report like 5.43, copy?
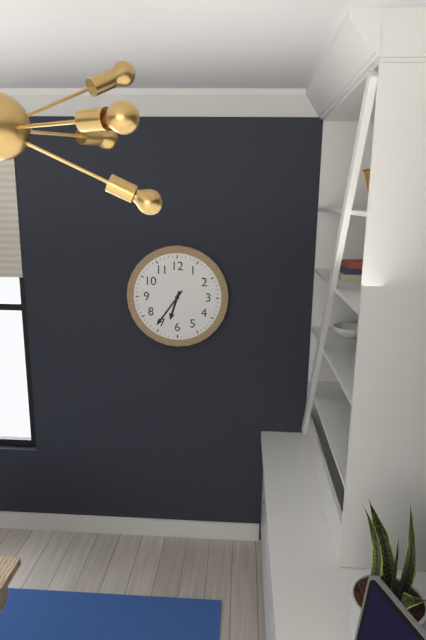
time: 6.36
